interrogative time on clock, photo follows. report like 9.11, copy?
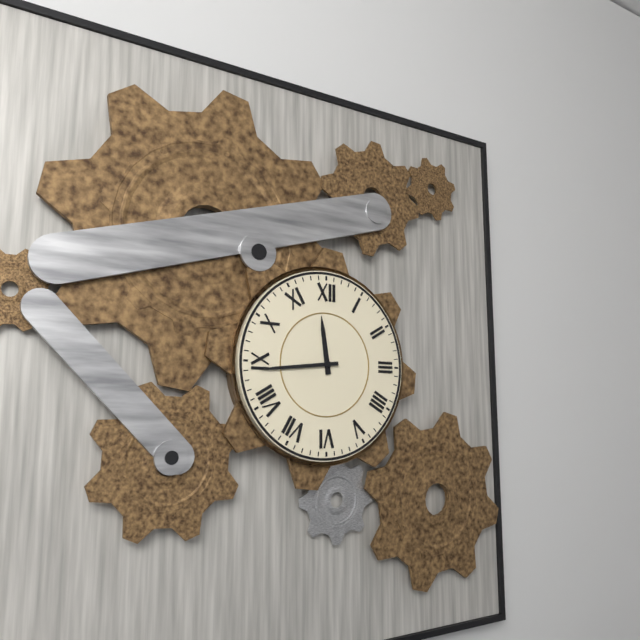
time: 11.44
